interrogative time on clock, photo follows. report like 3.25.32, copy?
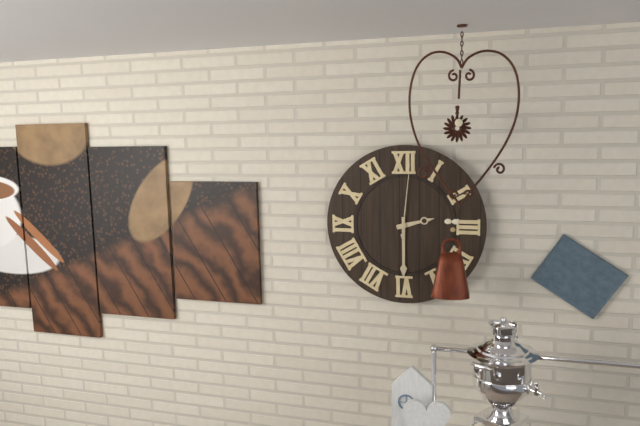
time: 2.30.01
